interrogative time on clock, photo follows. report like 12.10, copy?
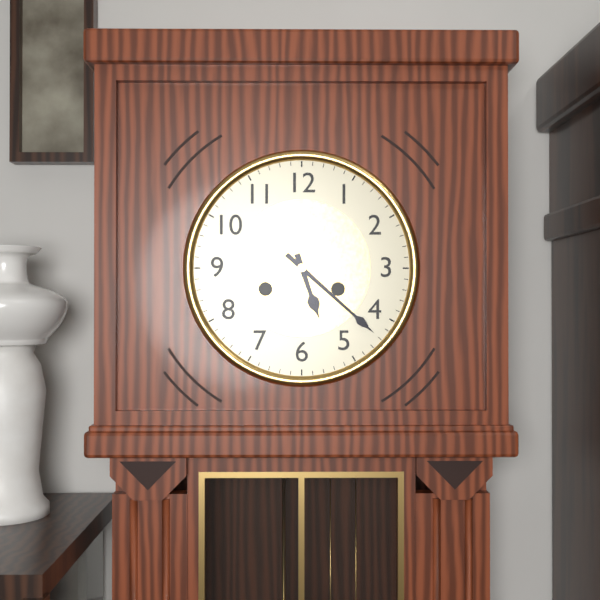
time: 5.22
